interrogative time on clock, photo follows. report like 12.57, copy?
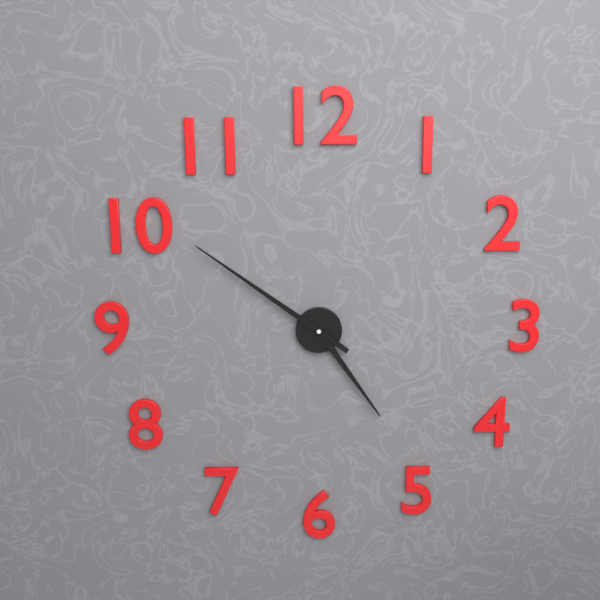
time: 4.51
